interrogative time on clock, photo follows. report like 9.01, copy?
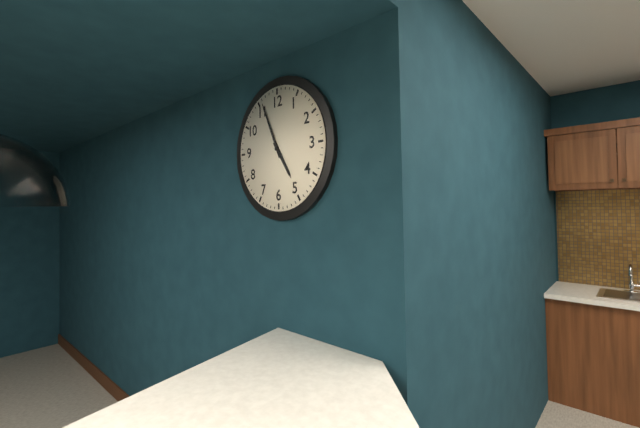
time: 4.56
